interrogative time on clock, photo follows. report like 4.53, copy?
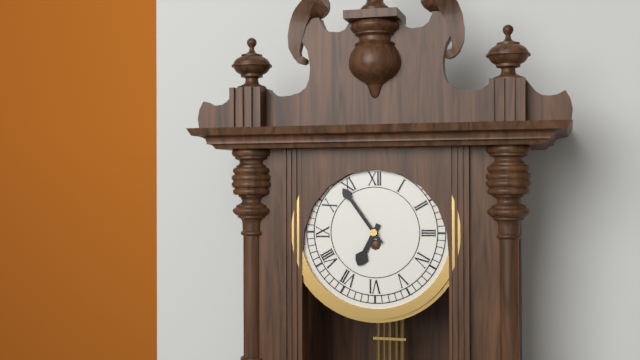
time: 6.54
